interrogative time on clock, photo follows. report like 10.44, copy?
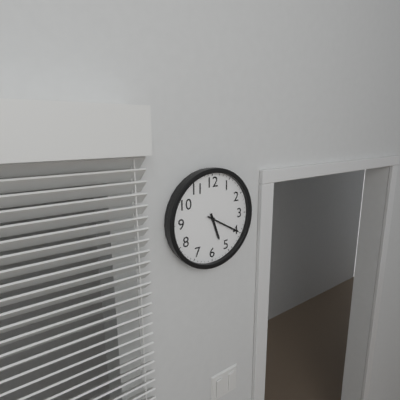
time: 5.20
